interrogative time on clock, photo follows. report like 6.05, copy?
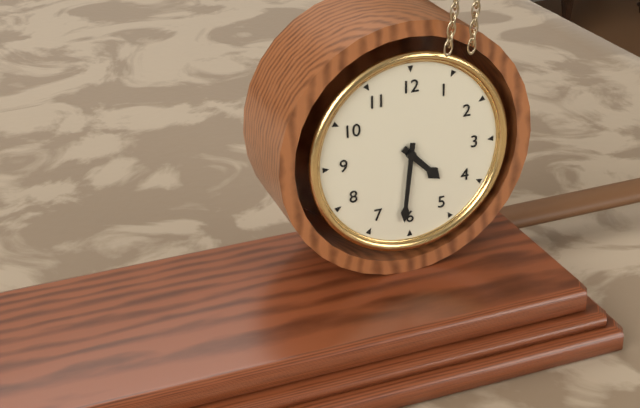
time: 4.31
